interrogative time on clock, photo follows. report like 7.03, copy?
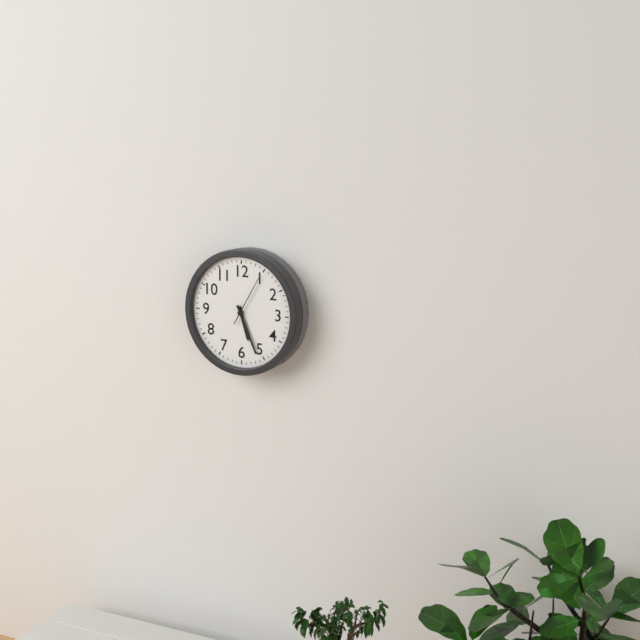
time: 5.26
